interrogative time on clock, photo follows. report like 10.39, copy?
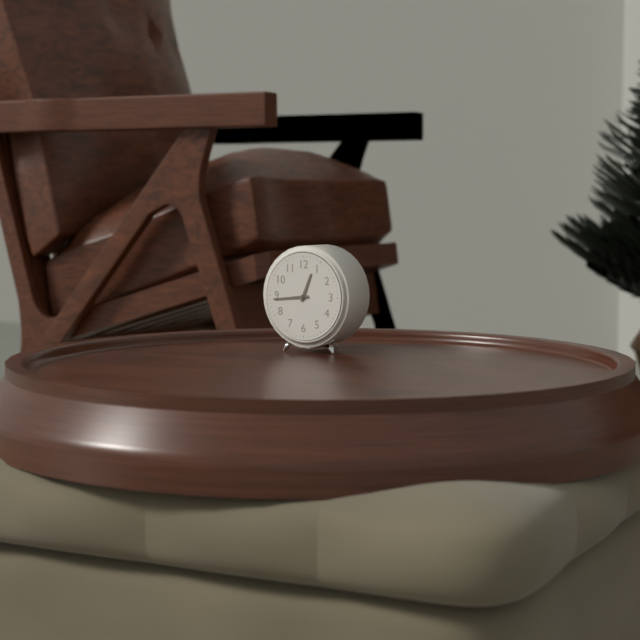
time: 12.44
